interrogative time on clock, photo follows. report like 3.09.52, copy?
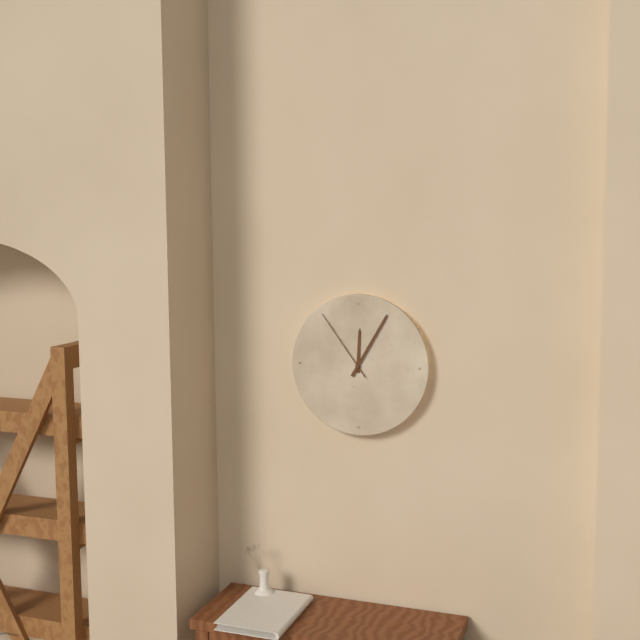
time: 12.05.54
